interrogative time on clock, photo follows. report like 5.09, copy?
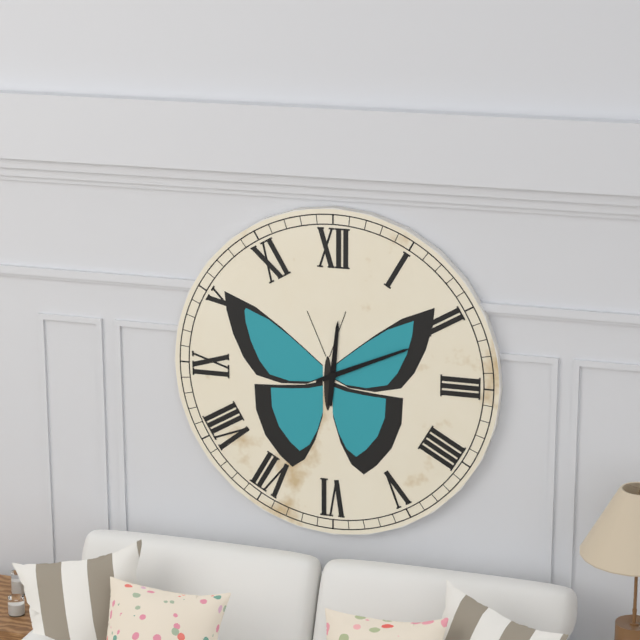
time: 12.11
